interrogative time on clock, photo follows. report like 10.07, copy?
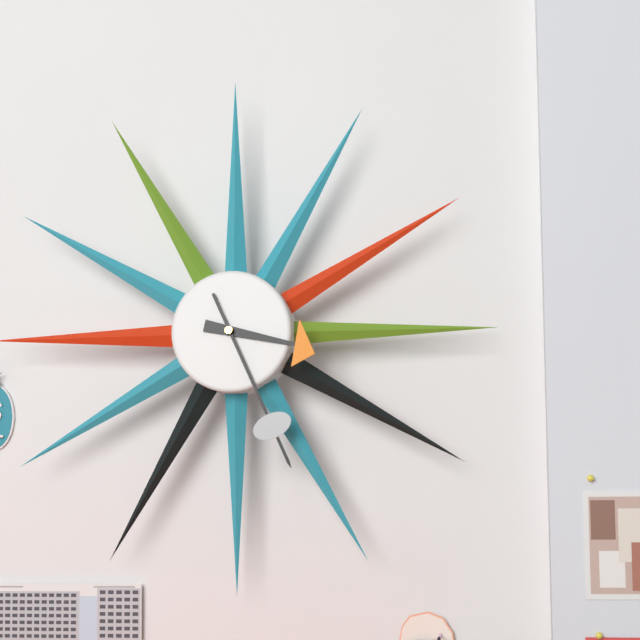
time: 3.26
